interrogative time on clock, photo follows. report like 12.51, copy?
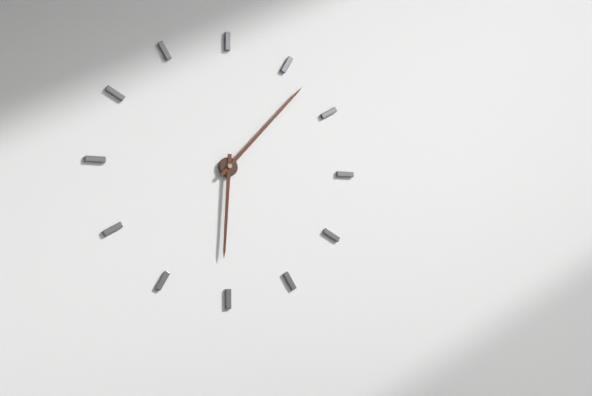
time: 6.07
